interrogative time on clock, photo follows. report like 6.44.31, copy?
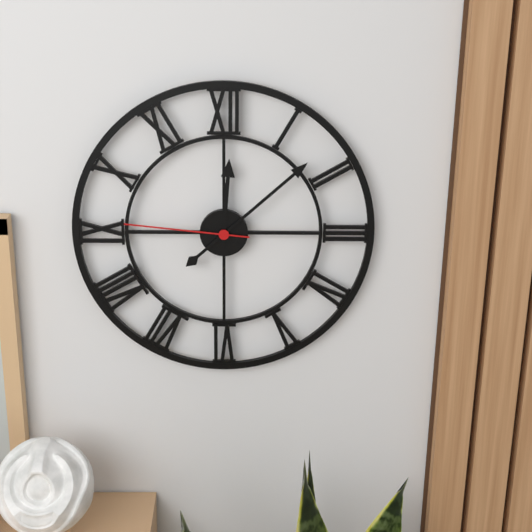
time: 12.08.46
